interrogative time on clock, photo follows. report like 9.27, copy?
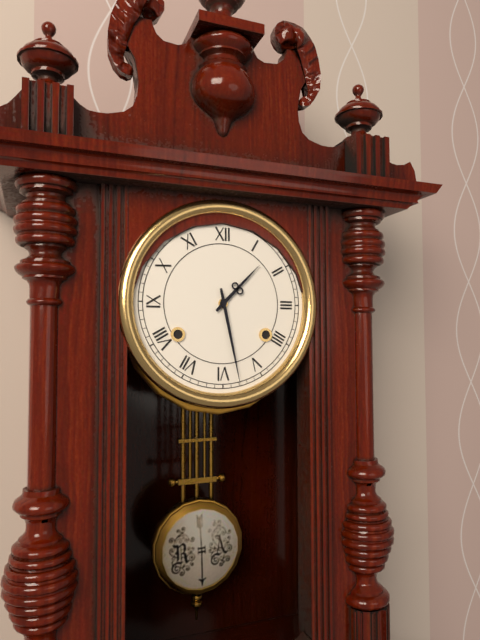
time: 1.28
